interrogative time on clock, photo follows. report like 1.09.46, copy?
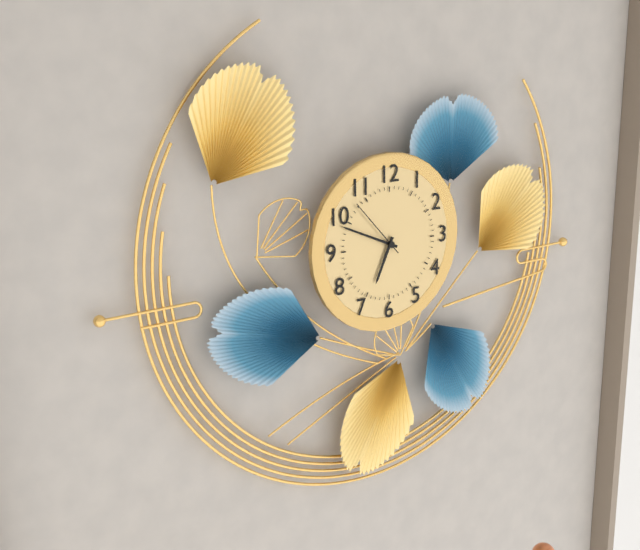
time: 6.49.53
